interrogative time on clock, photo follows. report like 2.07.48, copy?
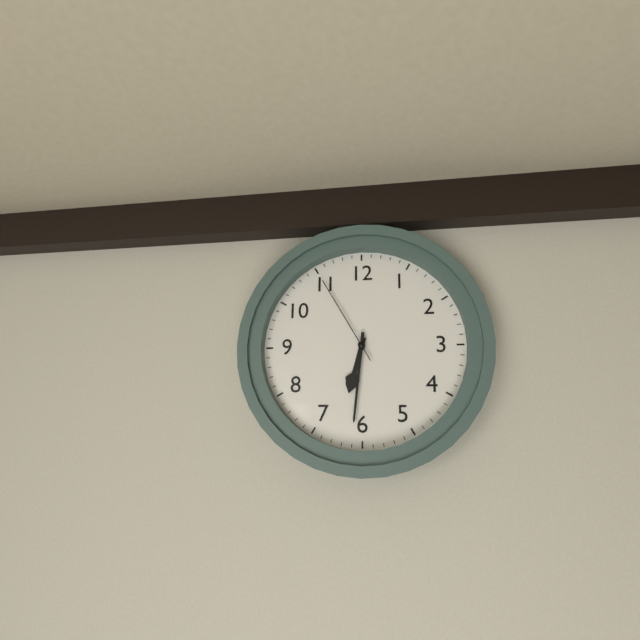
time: 6.31.55
